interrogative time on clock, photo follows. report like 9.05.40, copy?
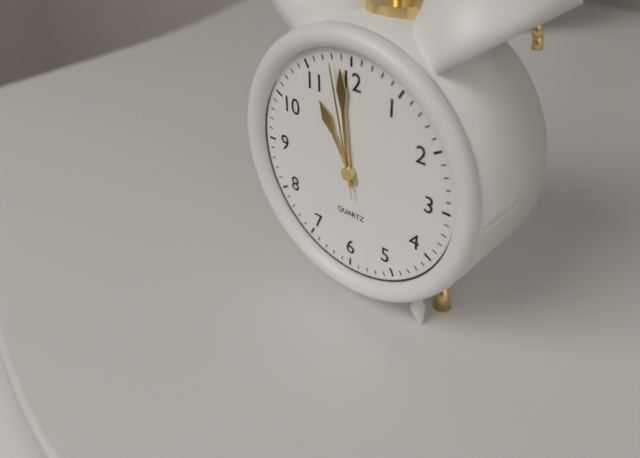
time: 10.59.58
